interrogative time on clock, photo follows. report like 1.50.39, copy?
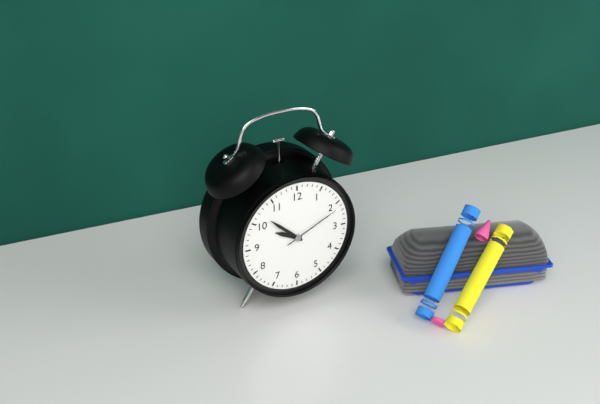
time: 9.52.11
